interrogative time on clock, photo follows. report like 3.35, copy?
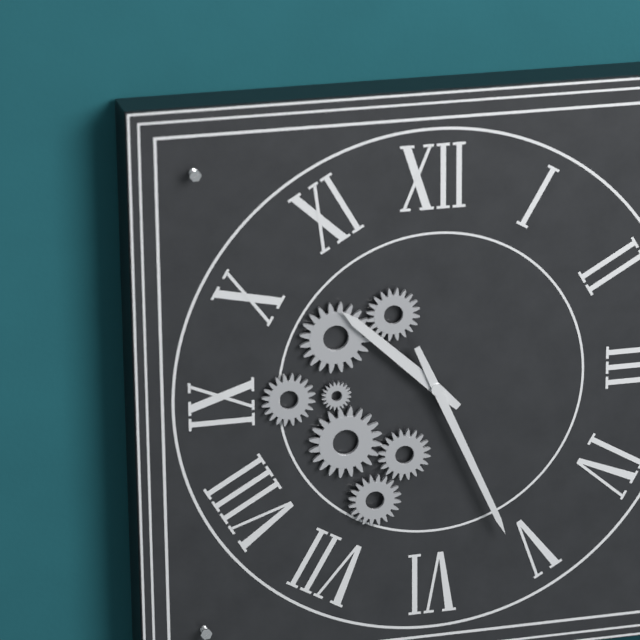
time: 10.26
